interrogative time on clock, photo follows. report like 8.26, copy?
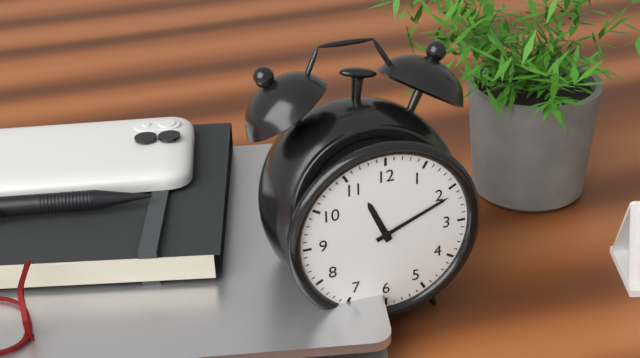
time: 11.11
